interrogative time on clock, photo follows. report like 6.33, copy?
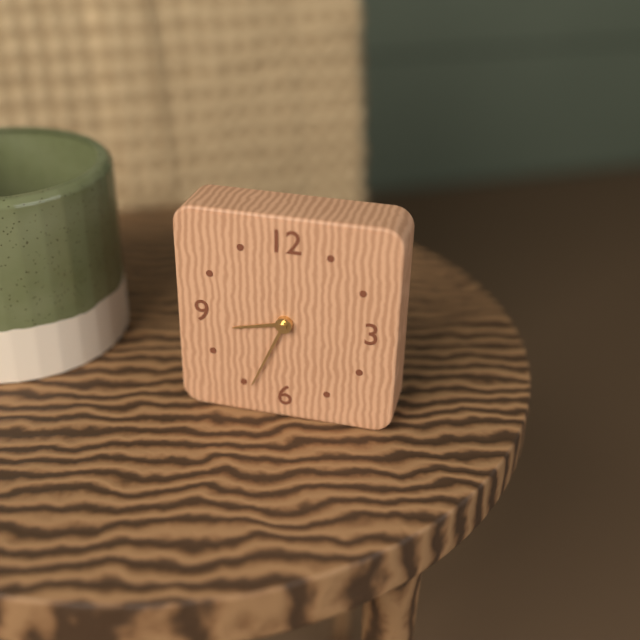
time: 8.34
